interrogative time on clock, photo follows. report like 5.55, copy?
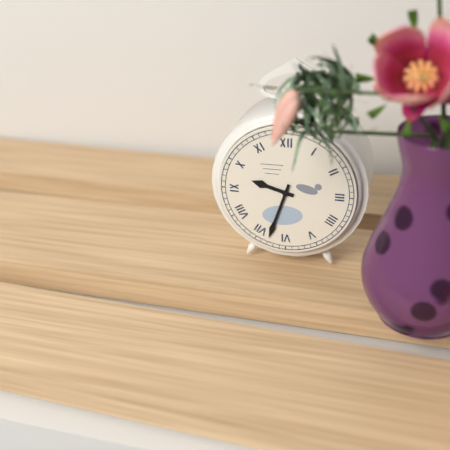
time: 9.33
